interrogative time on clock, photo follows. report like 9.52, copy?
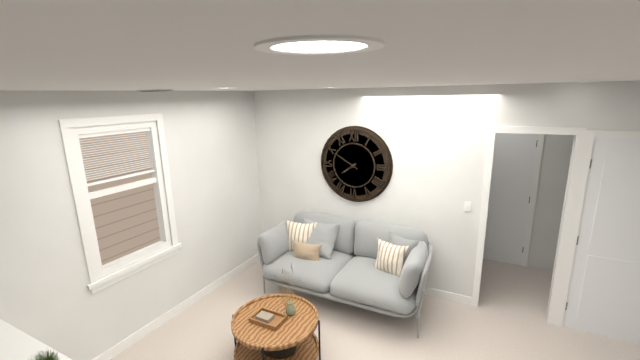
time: 7.50
